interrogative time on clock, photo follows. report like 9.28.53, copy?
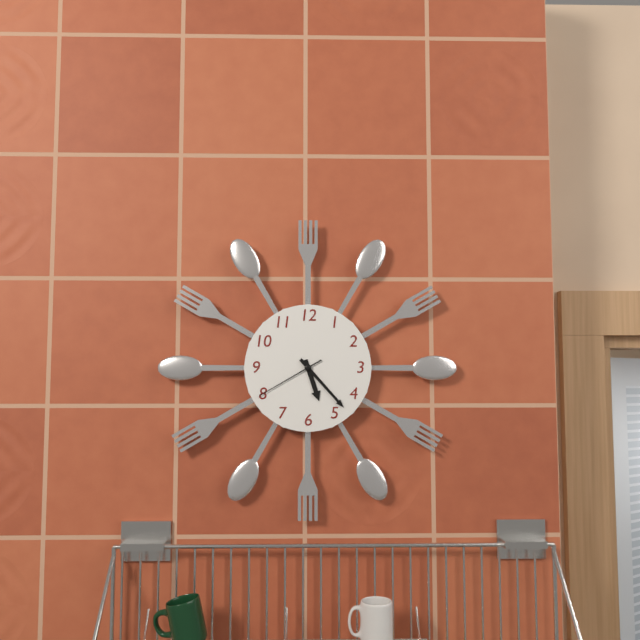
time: 5.23.40
